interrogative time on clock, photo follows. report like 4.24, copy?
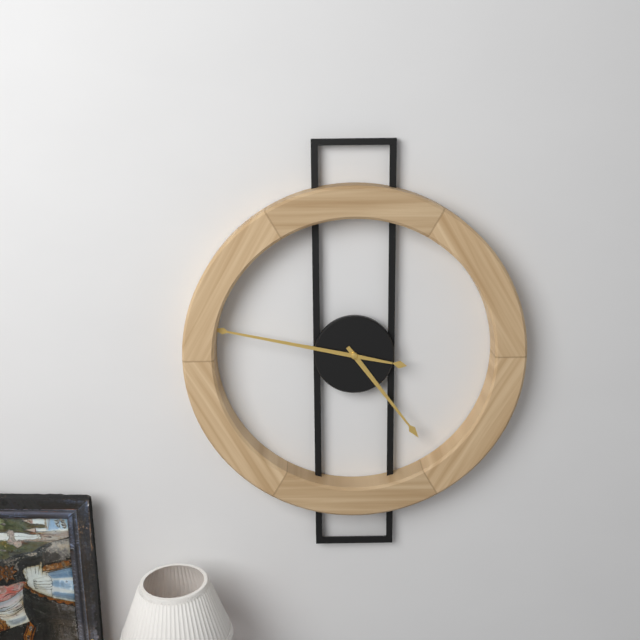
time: 4.47
